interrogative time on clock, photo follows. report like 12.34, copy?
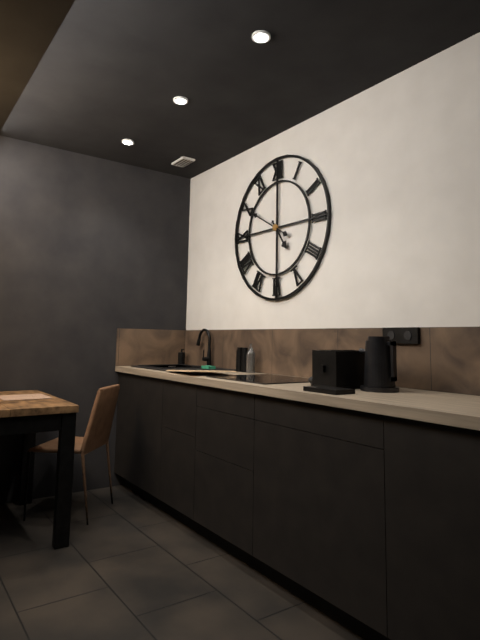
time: 4.50
